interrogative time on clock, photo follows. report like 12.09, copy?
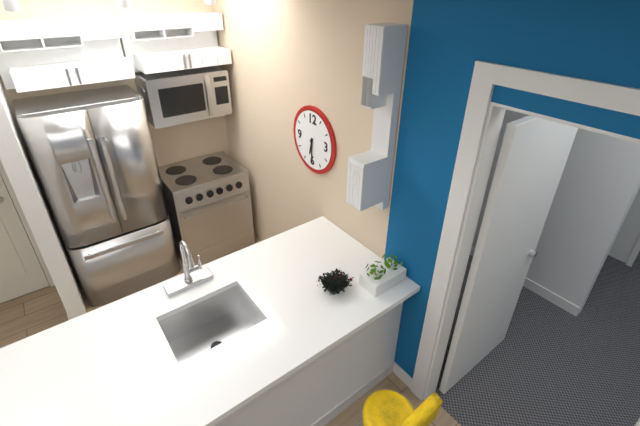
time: 6.30
